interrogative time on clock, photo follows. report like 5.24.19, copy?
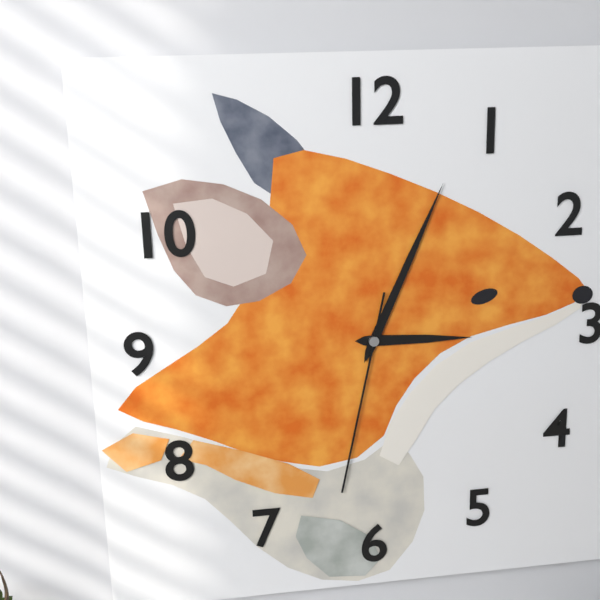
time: 3.04.32
